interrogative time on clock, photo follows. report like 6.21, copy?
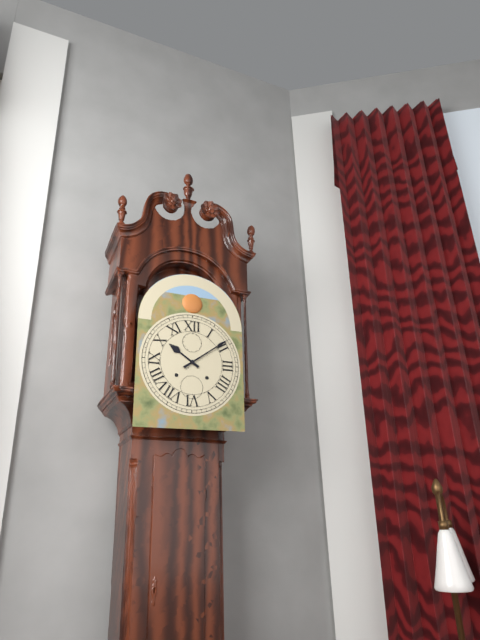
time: 10.09
